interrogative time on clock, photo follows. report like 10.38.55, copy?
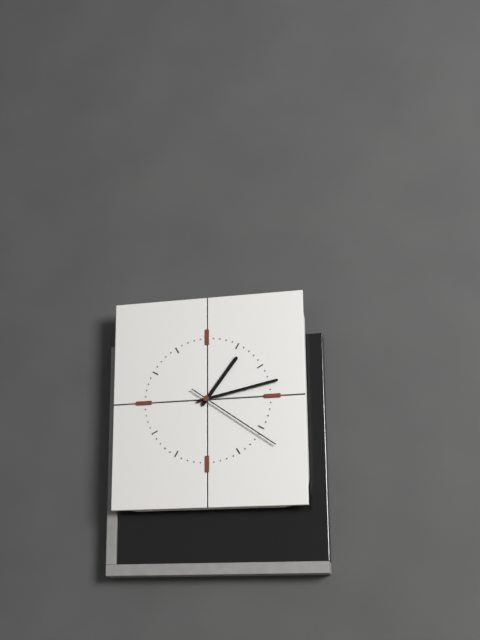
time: 1.13.21
